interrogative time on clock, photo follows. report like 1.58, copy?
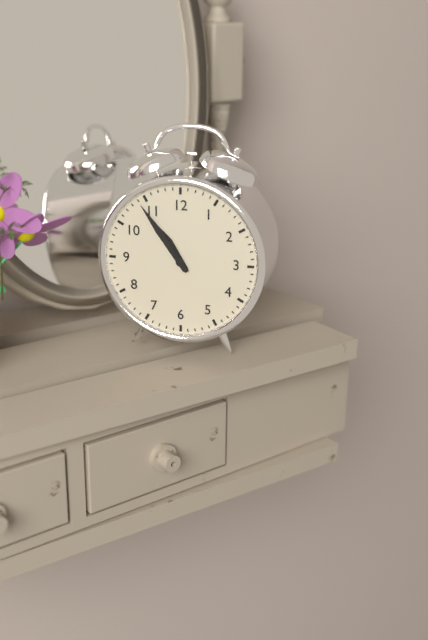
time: 10.54
